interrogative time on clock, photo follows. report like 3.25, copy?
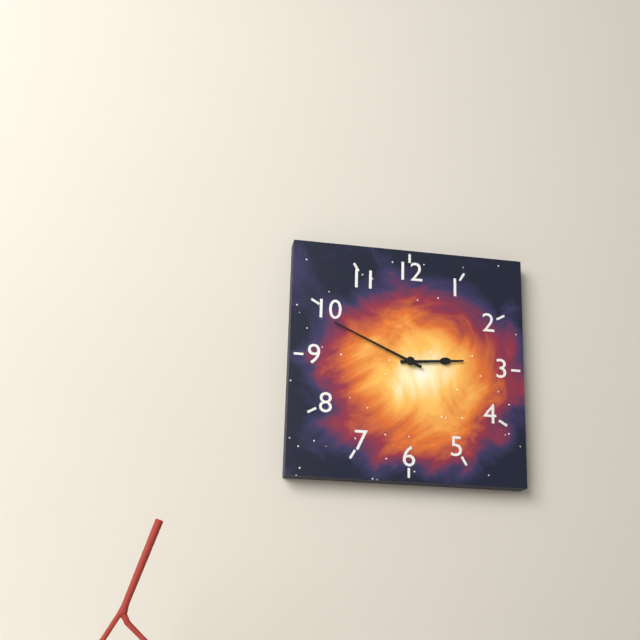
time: 2.49
